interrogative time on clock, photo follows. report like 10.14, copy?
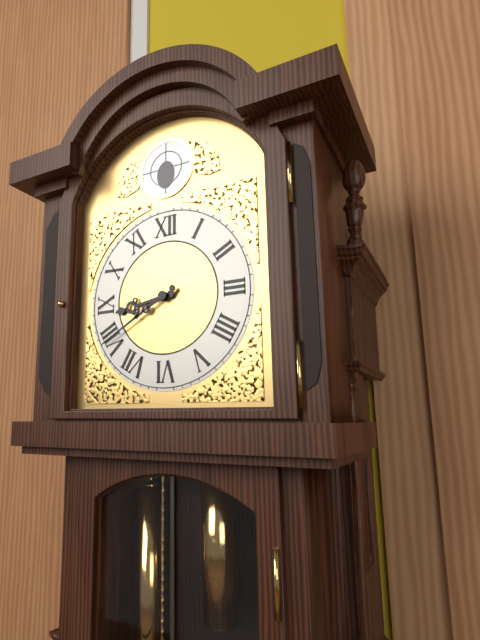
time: 8.40
